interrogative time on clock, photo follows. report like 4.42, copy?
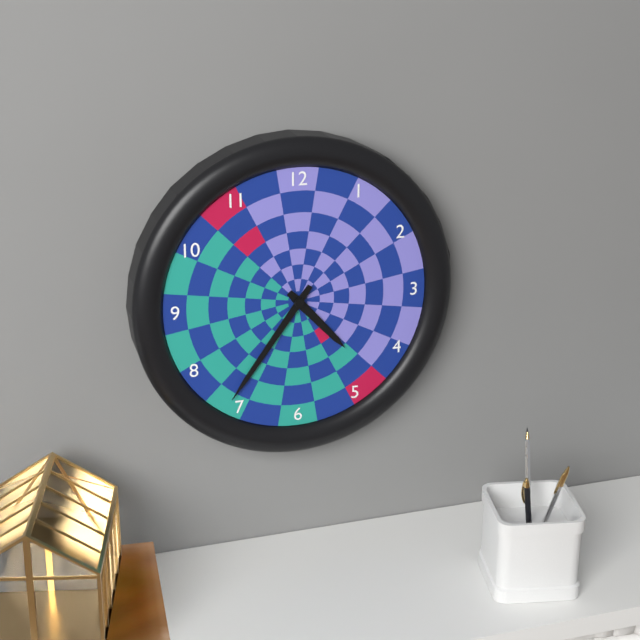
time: 4.36
